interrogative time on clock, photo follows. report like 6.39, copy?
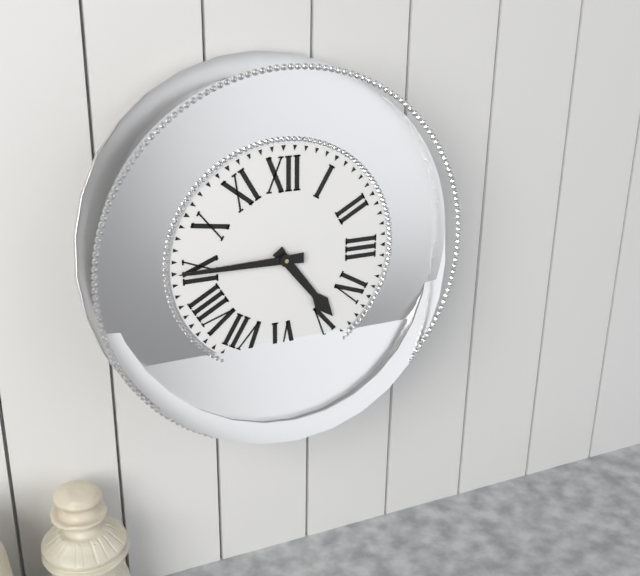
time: 4.45
